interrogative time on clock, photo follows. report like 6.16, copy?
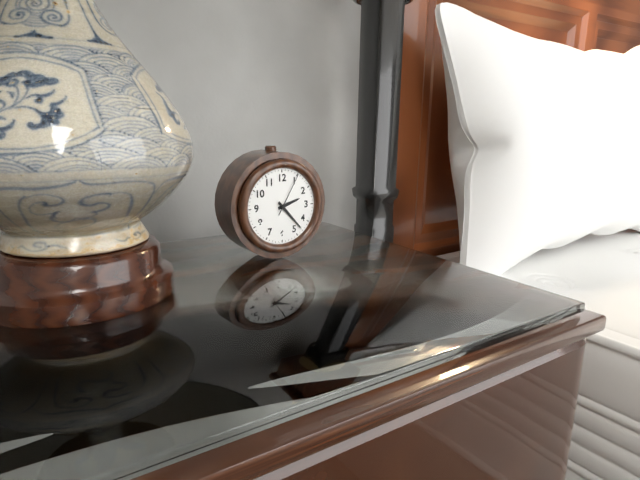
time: 2.23
